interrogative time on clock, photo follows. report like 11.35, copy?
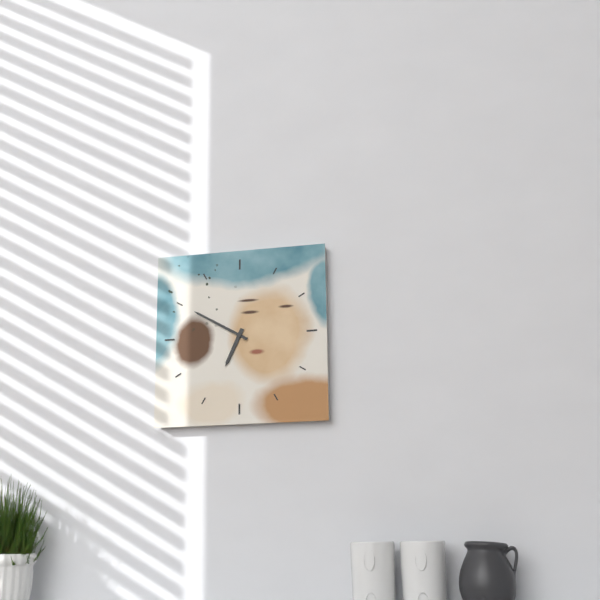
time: 6.50
